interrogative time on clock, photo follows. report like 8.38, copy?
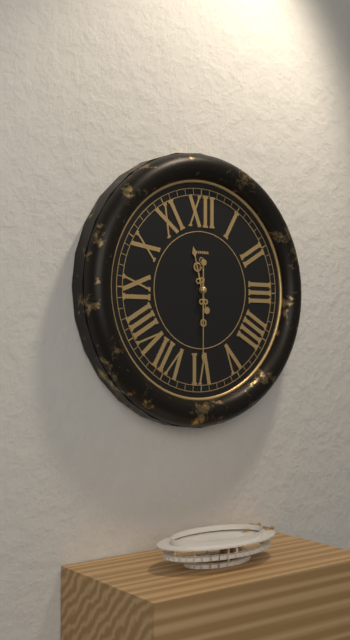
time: 11.30
